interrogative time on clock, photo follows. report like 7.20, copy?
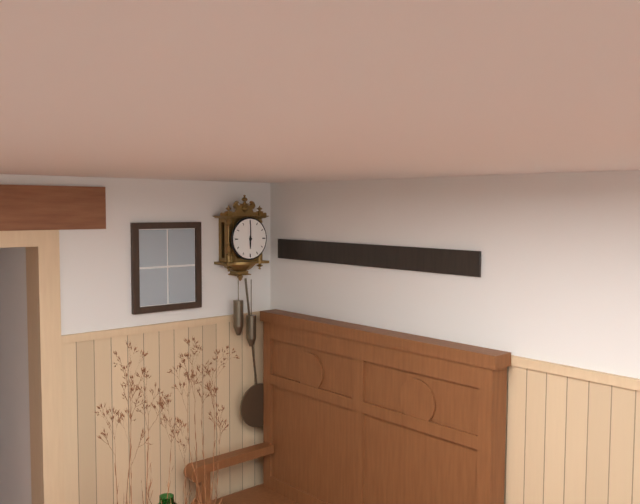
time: 6.00
